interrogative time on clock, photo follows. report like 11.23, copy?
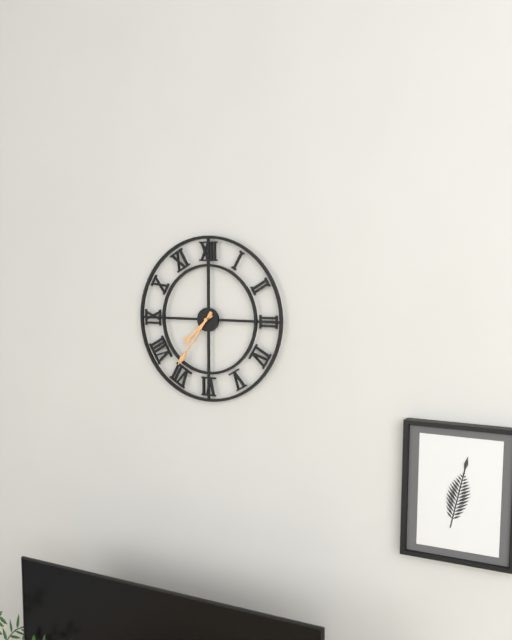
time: 7.36
